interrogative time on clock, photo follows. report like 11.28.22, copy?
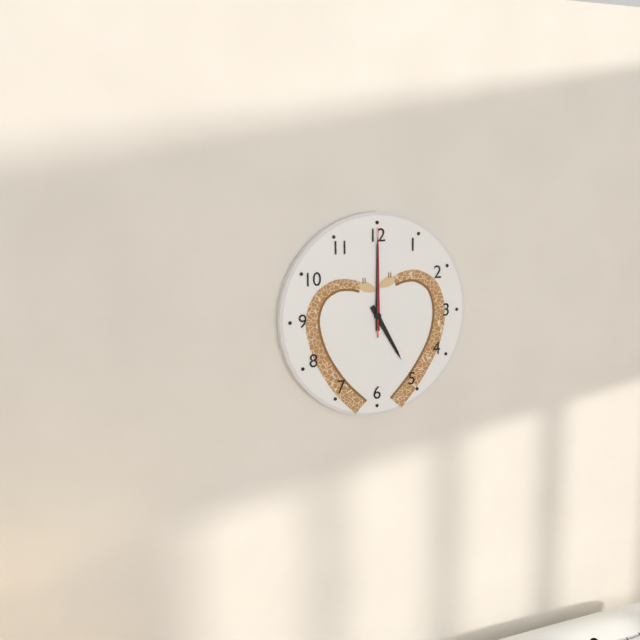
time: 5.00.00
